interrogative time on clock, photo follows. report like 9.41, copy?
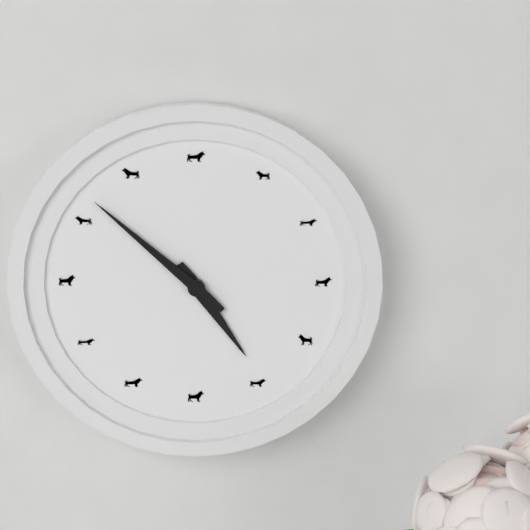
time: 4.52
